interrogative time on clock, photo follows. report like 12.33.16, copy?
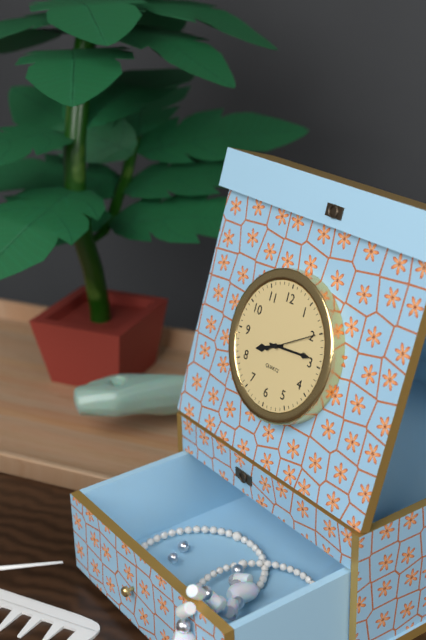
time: 8.14.10
